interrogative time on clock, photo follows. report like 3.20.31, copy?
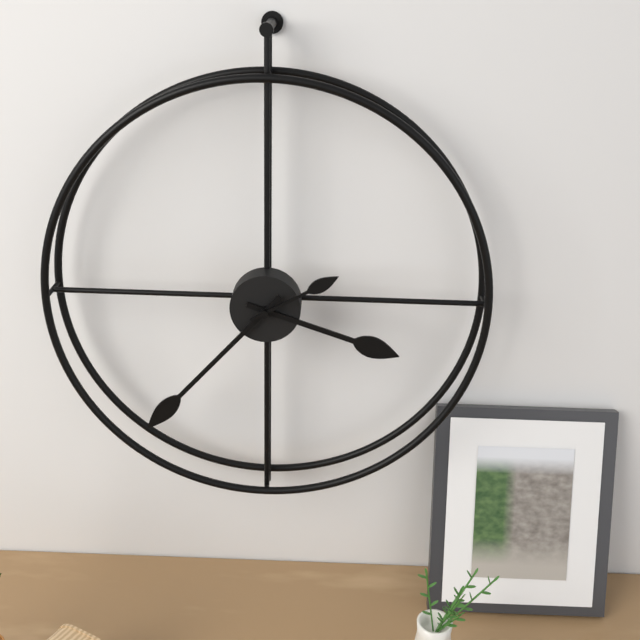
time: 3.37.10
